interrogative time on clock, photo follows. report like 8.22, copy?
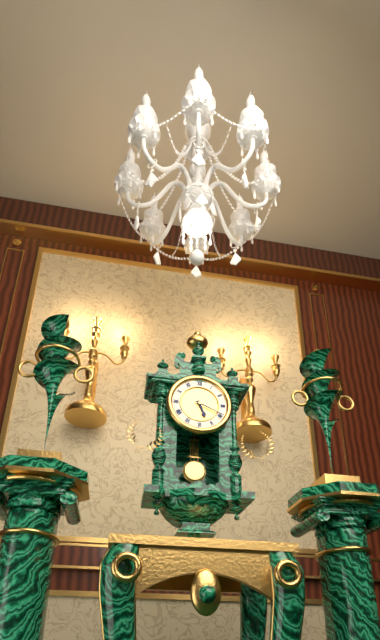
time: 5.19
